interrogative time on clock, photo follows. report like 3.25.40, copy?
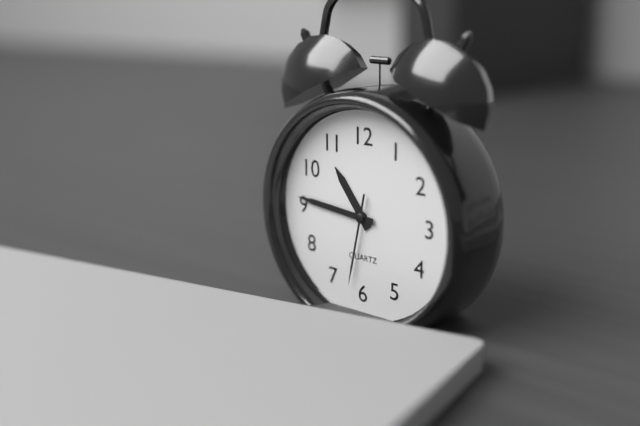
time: 10.46.32
